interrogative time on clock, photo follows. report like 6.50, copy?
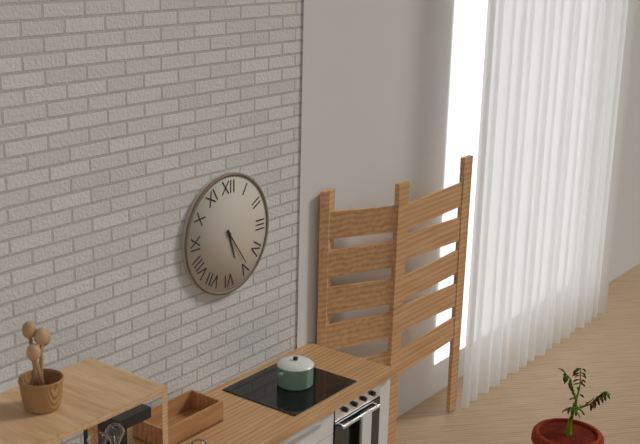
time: 5.24
